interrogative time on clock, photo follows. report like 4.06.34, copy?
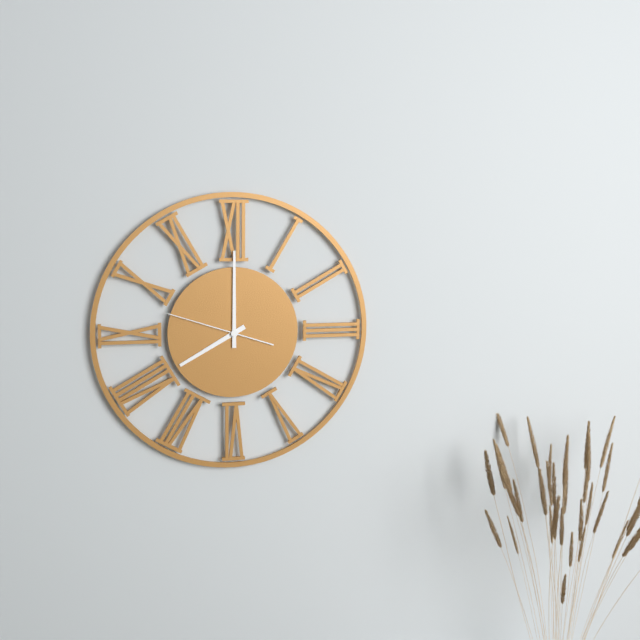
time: 8.00.48
